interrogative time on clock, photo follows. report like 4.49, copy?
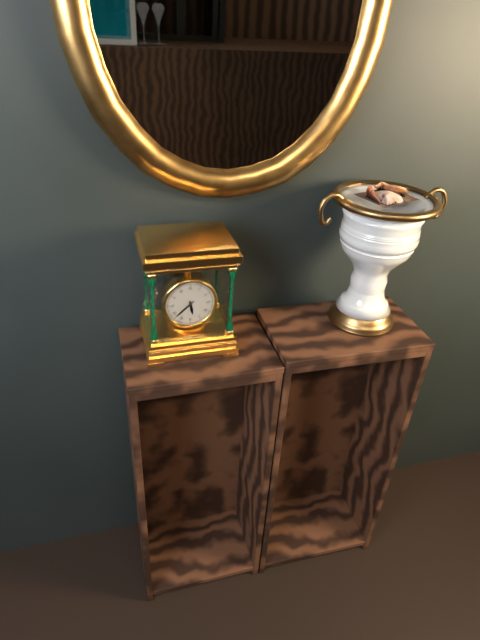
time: 5.38
